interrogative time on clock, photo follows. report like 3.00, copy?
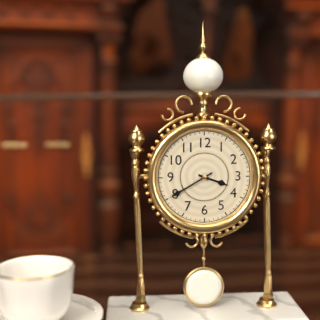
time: 3.40
